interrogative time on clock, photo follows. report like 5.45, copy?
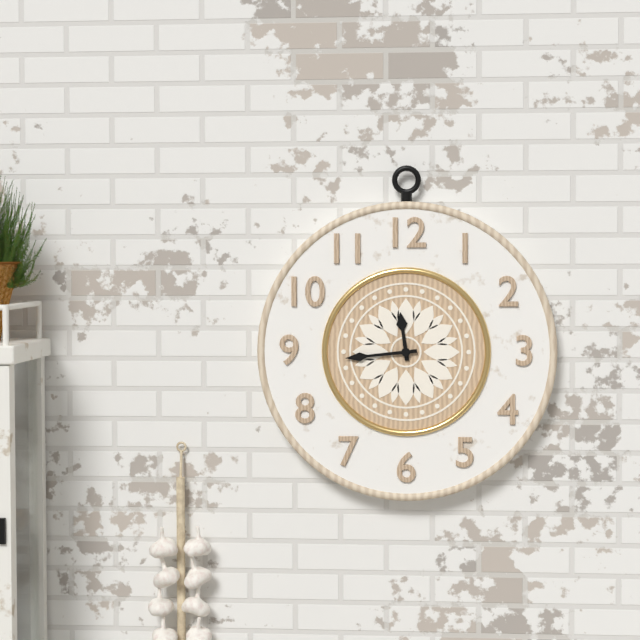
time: 11.44
